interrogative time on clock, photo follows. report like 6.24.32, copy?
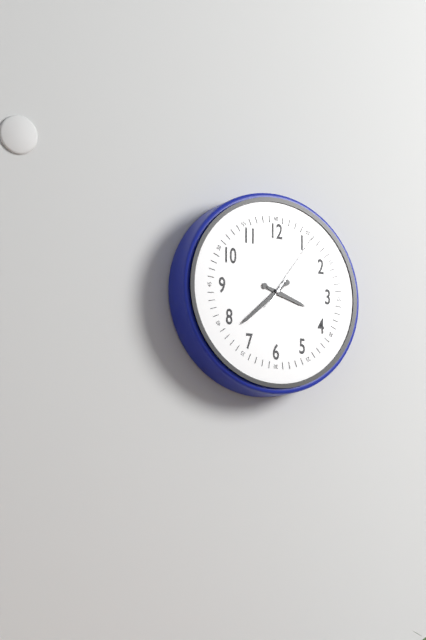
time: 3.38.06
